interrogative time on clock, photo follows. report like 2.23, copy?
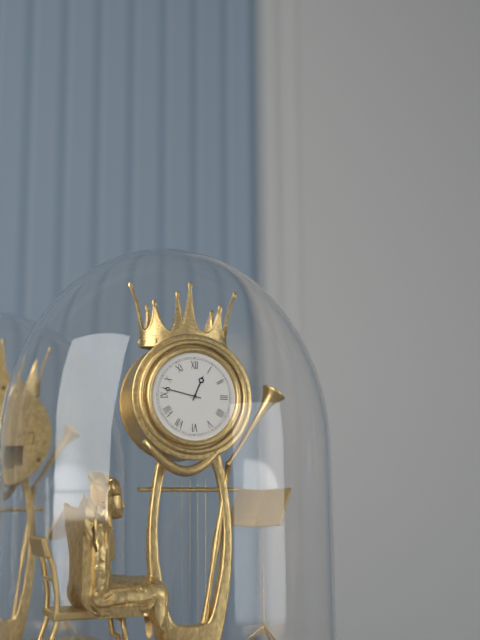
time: 12.47
